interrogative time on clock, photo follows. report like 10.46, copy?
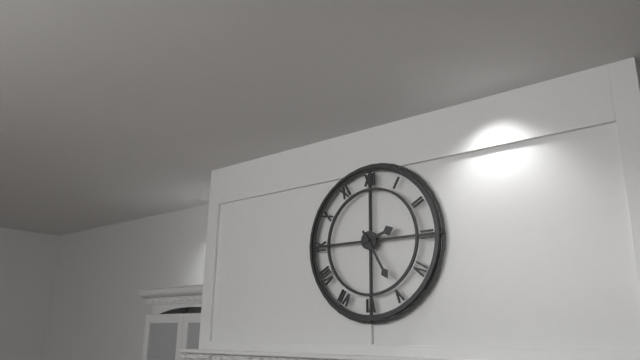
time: 2.25
